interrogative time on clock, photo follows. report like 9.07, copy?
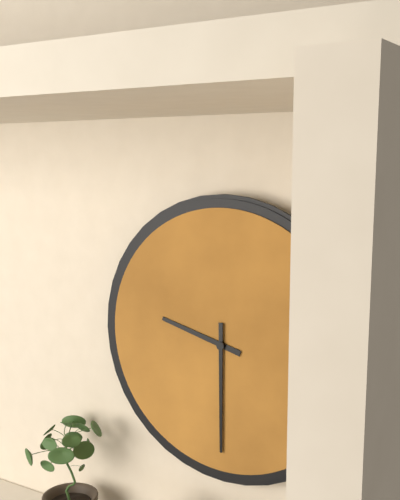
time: 9.30
